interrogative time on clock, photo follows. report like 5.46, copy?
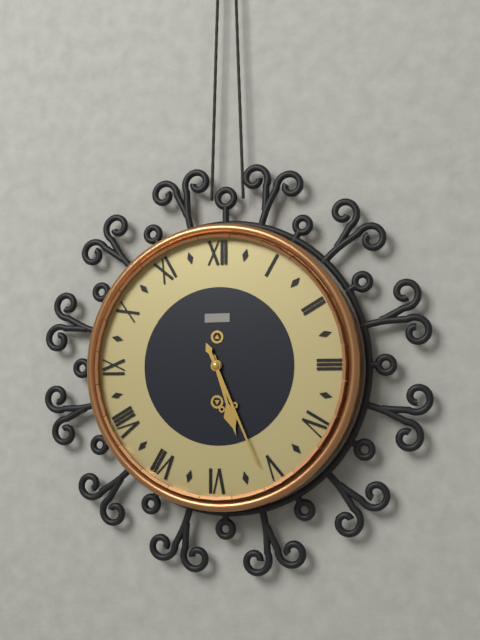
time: 5.26
